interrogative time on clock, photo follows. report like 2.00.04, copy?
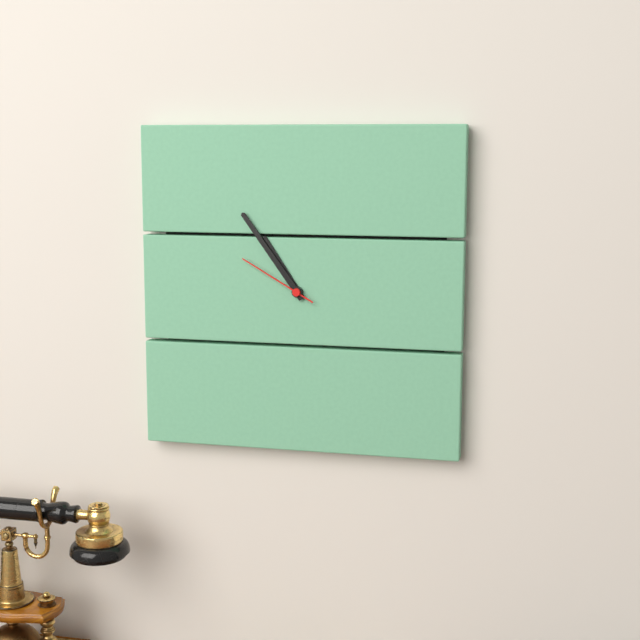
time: 10.54.50
